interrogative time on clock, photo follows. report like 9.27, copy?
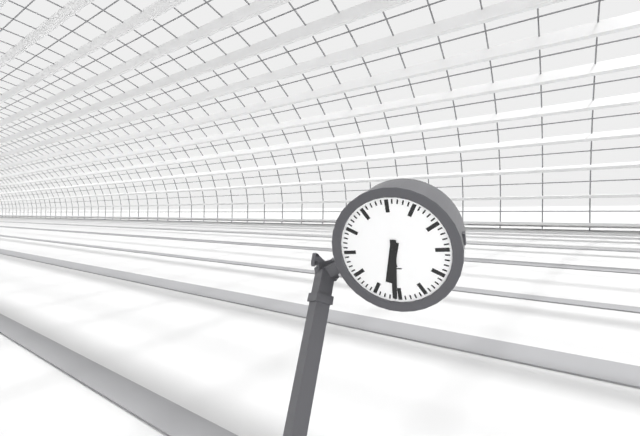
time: 6.31
